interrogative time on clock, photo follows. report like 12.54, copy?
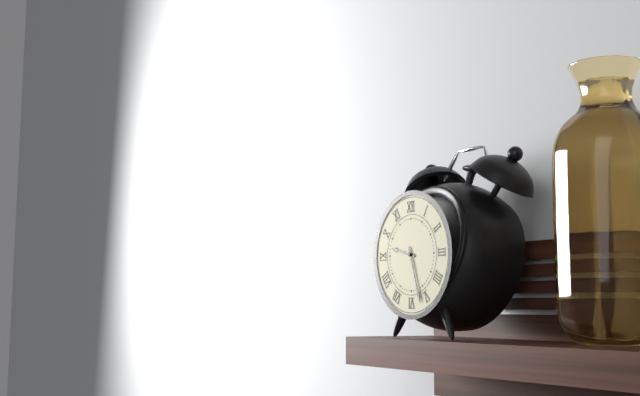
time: 9.27
